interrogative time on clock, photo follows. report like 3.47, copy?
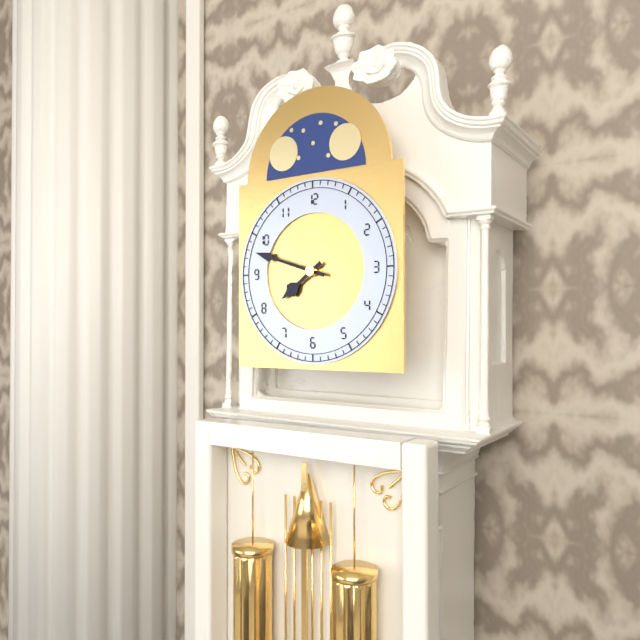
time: 7.48
